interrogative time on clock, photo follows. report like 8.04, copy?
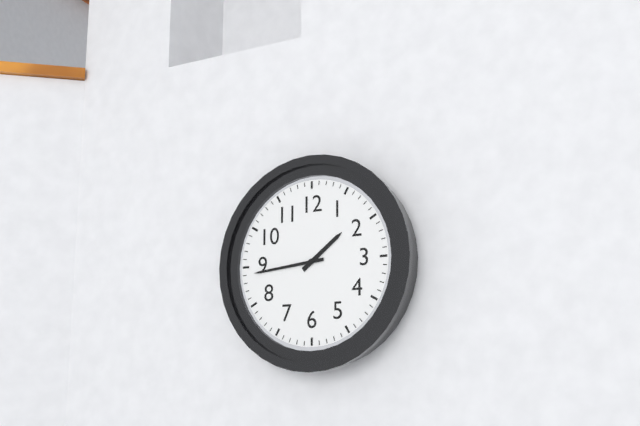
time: 1.44
